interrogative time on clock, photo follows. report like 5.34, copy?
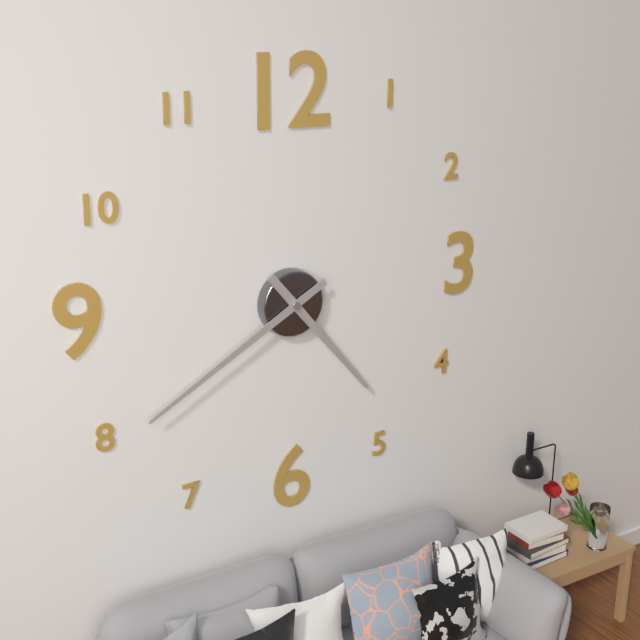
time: 4.40
